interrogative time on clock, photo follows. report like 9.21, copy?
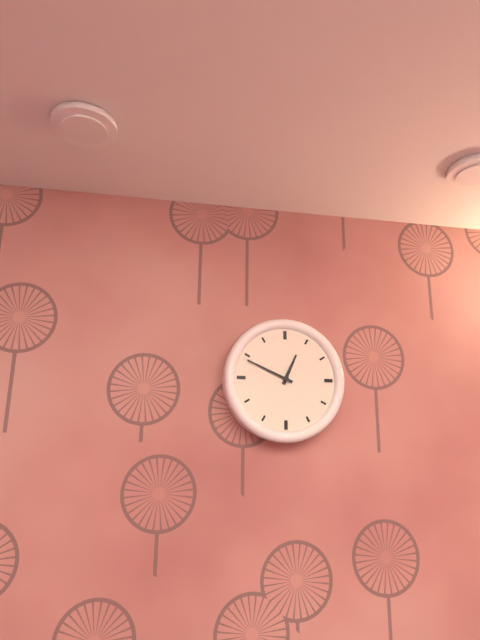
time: 12.49
